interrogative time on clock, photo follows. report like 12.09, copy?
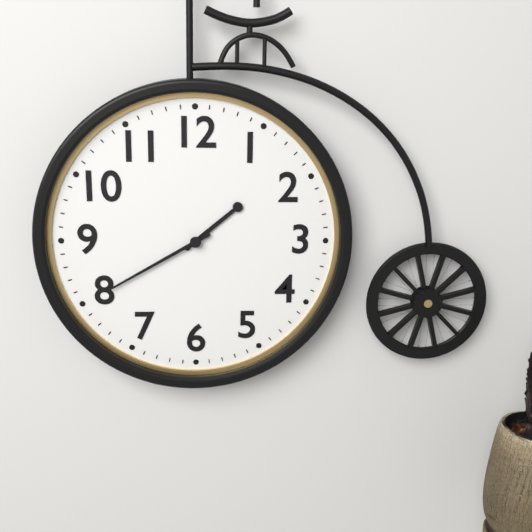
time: 1.40
